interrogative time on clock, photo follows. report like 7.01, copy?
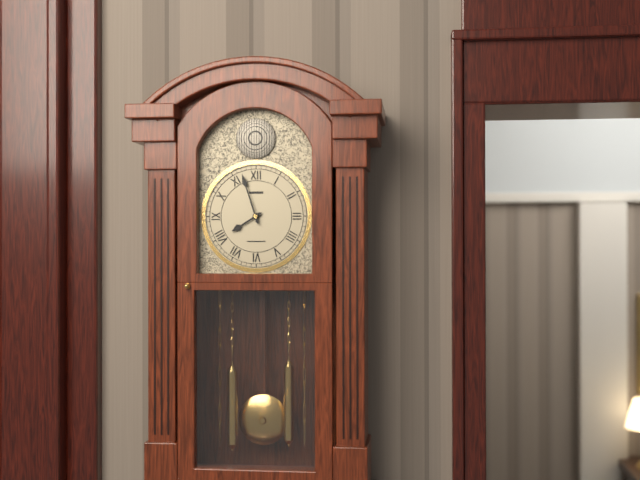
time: 7.57
